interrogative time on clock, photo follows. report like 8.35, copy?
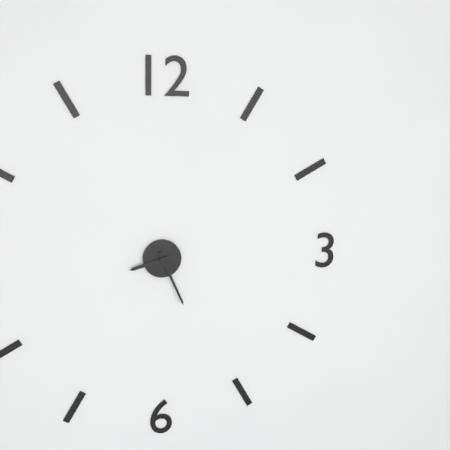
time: 8.26
